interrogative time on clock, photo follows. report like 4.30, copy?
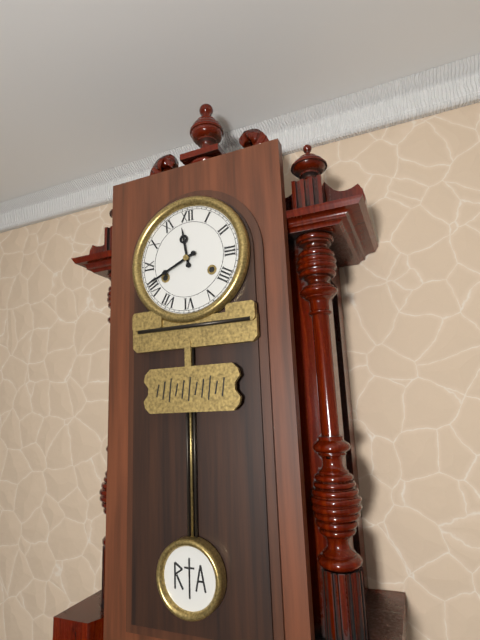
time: 11.41
